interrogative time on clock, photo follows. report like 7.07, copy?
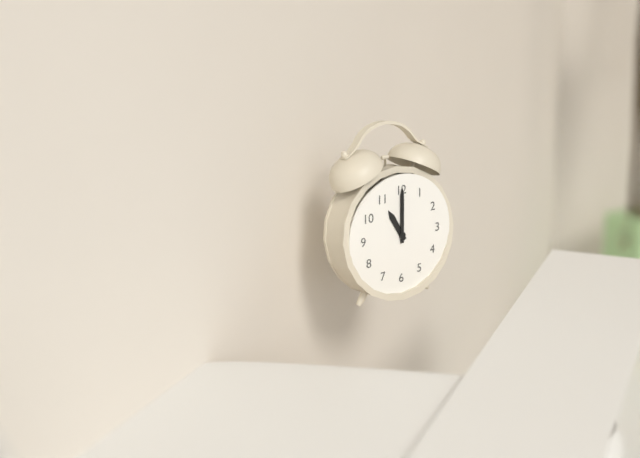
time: 11.00
